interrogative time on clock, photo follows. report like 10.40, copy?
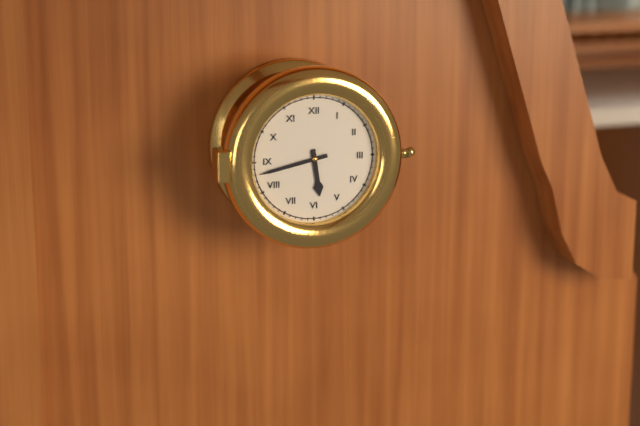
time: 5.43
